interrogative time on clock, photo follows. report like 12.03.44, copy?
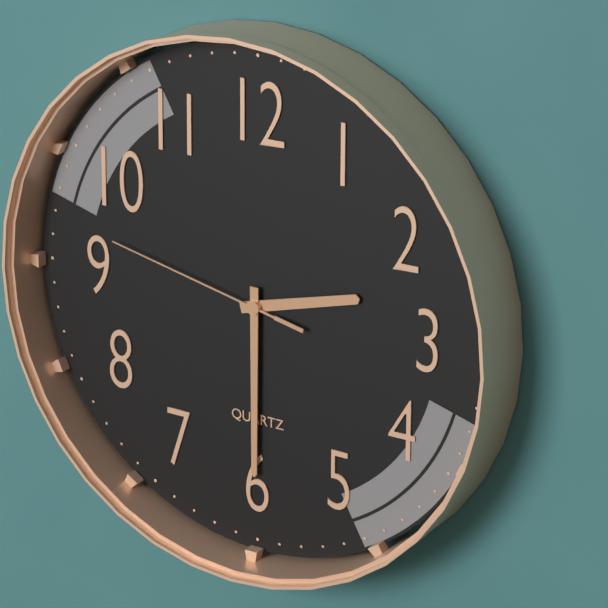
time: 2.30.47
